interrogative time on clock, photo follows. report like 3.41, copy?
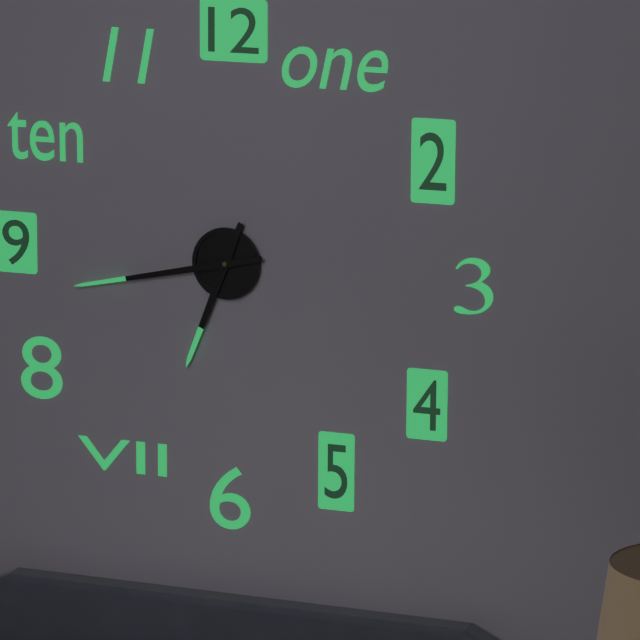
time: 6.43
